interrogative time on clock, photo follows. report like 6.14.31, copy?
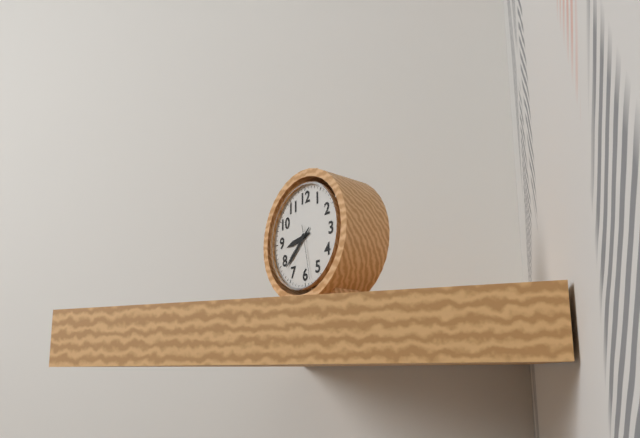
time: 8.38.28
